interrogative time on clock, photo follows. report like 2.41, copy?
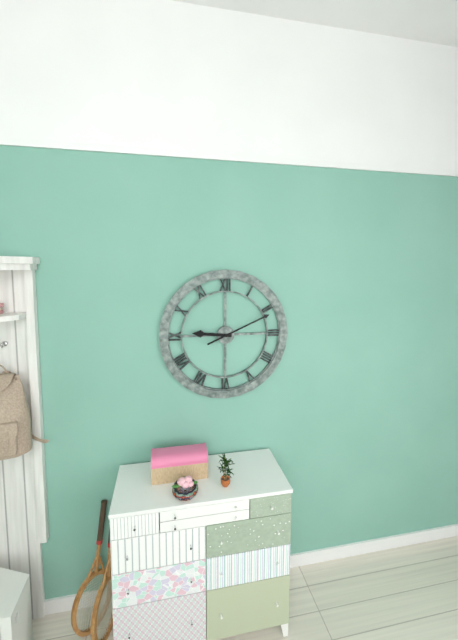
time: 9.11
